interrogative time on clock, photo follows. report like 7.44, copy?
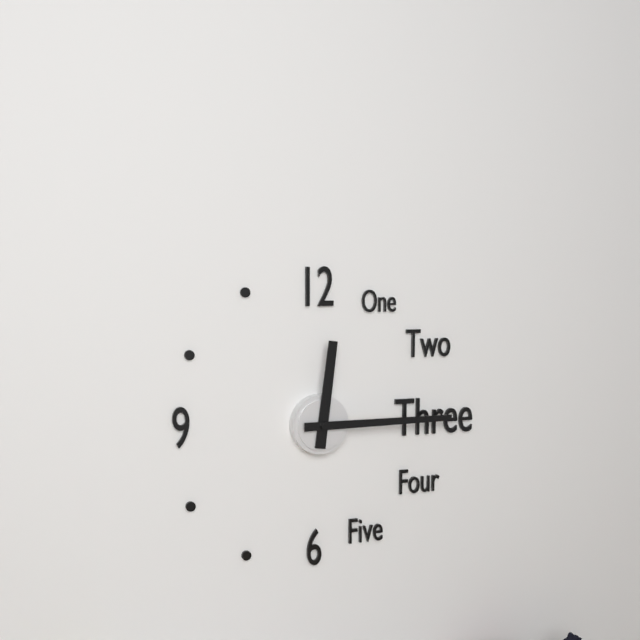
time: 12.15
